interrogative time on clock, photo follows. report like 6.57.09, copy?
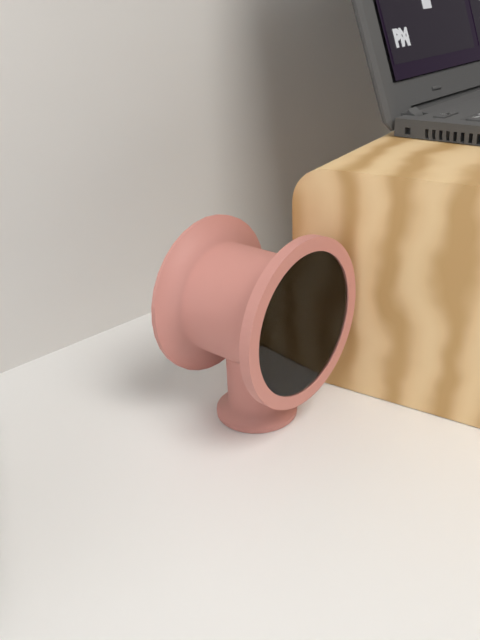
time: 4.00.03
